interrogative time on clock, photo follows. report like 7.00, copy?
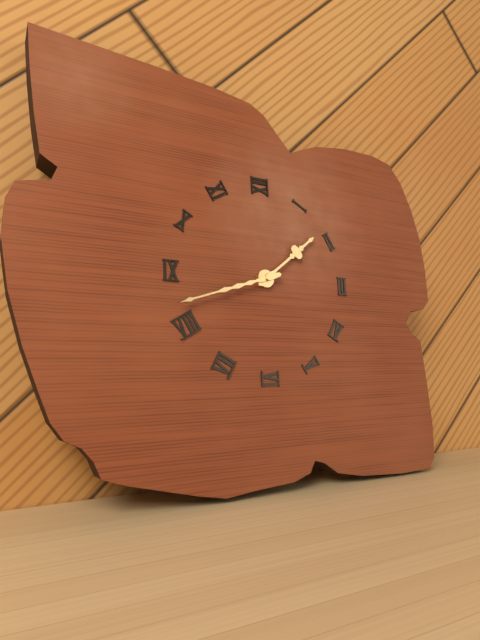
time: 1.42
